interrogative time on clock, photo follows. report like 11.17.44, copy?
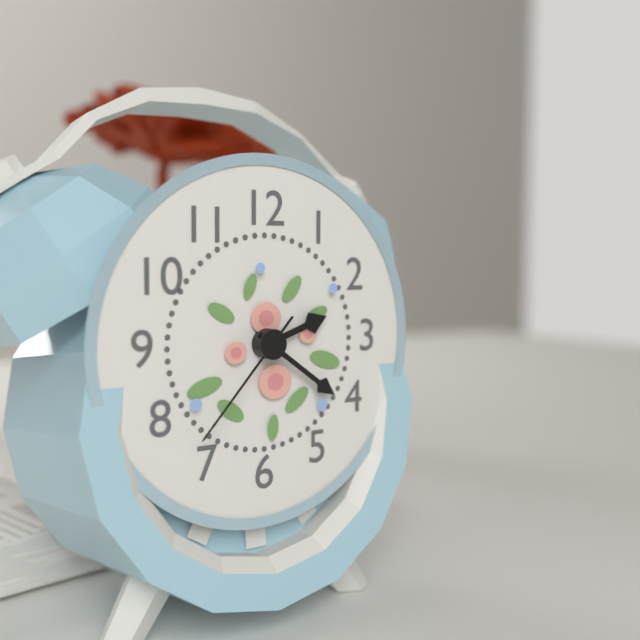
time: 2.21.37
